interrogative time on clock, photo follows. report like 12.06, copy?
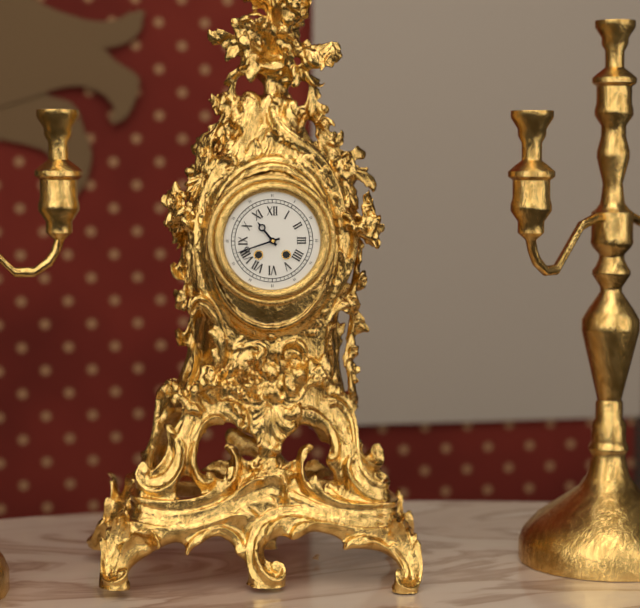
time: 10.42
